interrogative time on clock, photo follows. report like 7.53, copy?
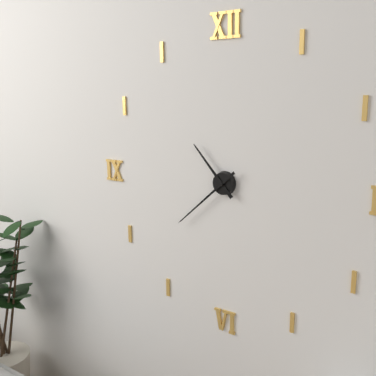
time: 10.38
